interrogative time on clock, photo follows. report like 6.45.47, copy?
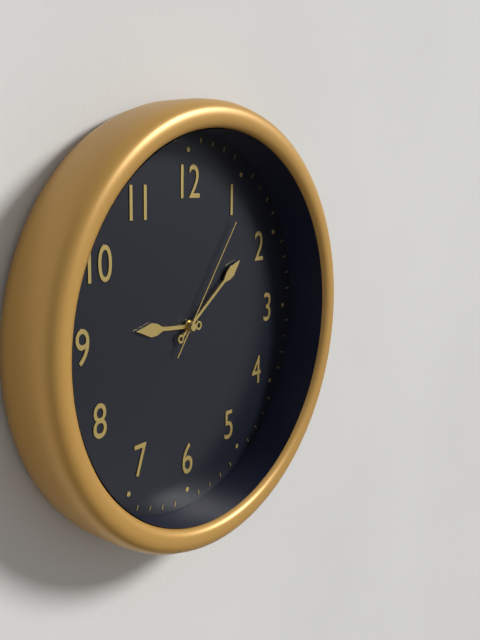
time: 9.09.06
